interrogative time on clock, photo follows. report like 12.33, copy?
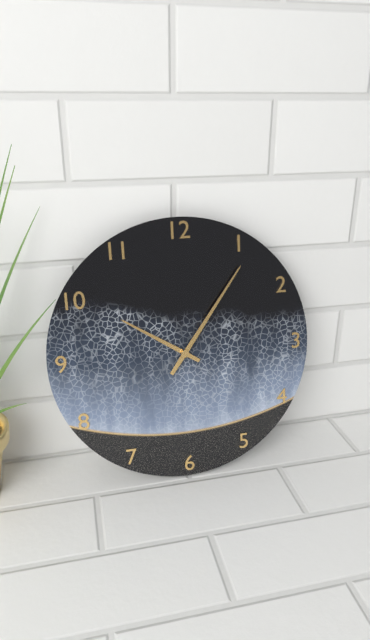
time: 10.06
